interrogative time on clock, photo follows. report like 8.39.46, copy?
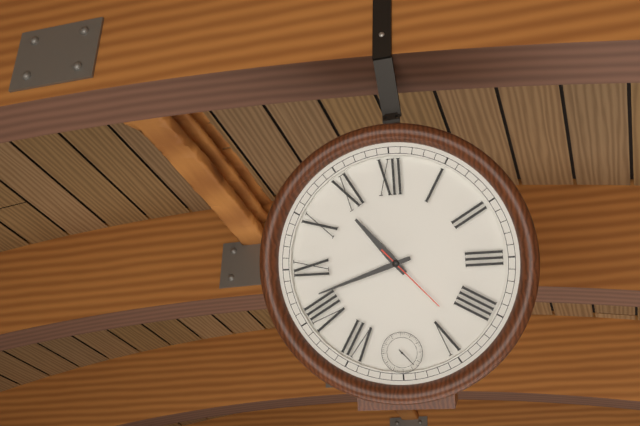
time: 10.42.23
